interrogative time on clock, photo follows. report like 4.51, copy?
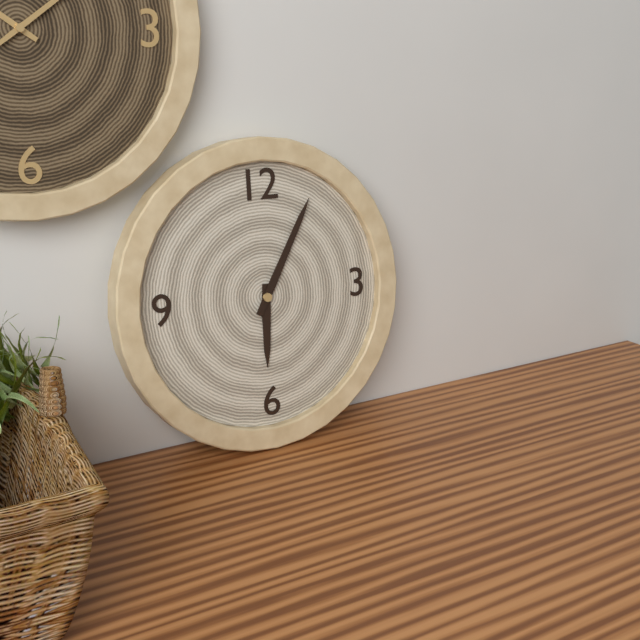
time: 6.05
